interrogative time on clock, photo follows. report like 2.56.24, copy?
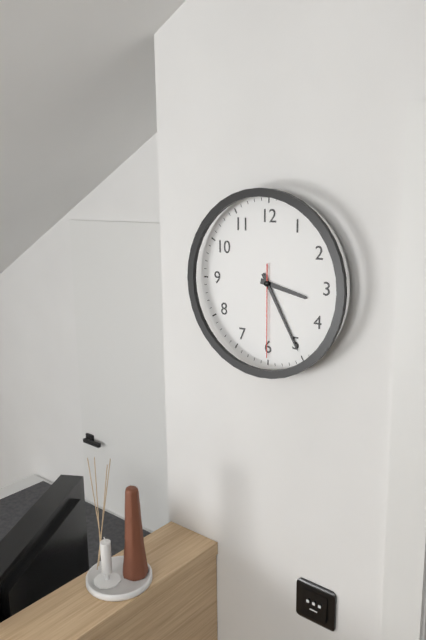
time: 3.25.30
